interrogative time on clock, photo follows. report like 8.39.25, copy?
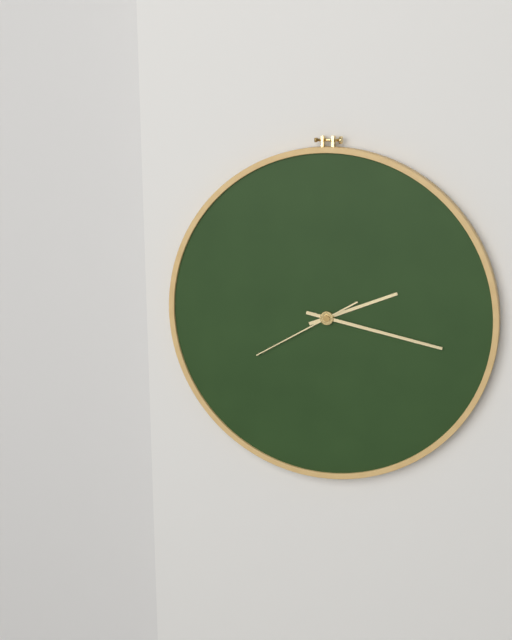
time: 2.17.40
